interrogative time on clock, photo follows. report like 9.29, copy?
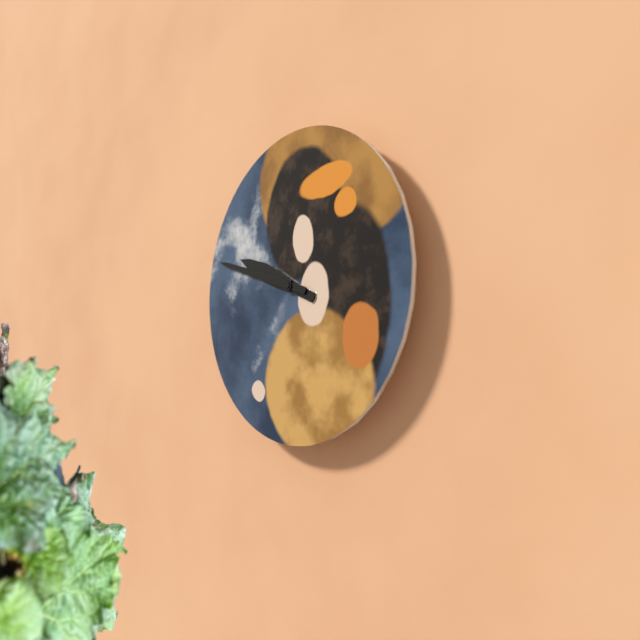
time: 9.48
